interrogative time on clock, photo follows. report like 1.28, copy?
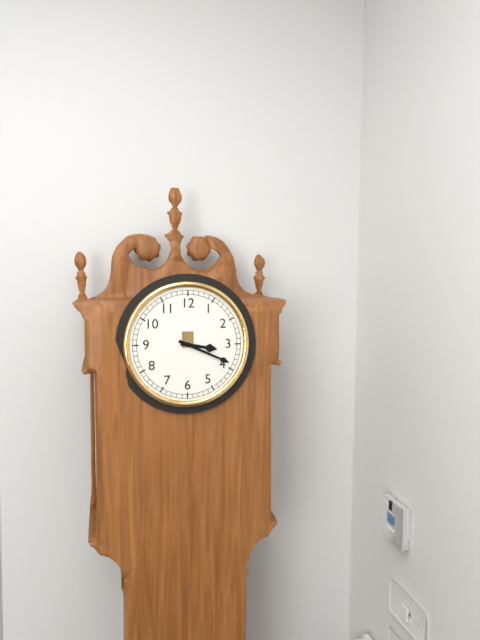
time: 3.19
